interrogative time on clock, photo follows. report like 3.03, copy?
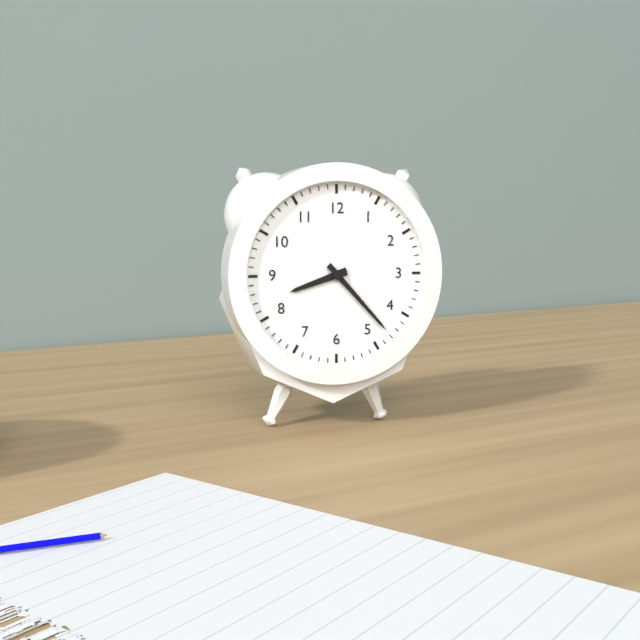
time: 8.23
